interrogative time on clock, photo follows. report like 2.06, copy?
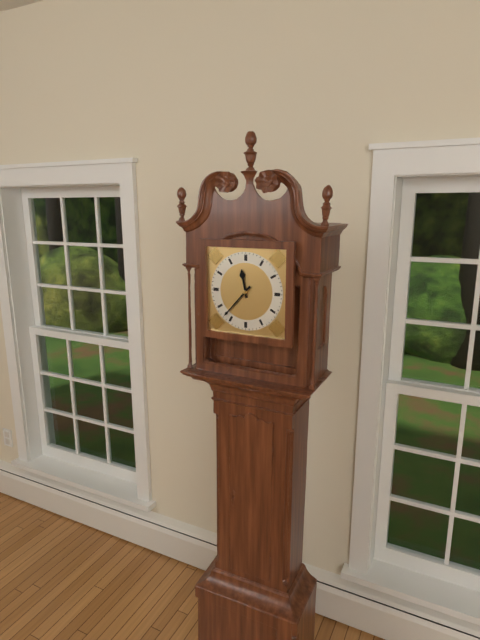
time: 11.37
